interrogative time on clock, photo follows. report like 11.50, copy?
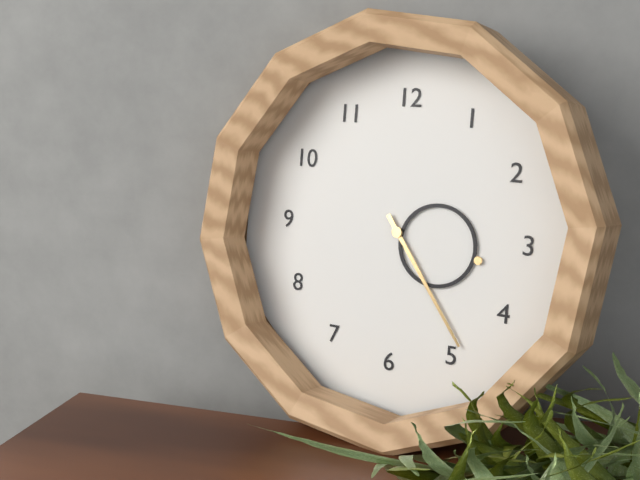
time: 3.24
